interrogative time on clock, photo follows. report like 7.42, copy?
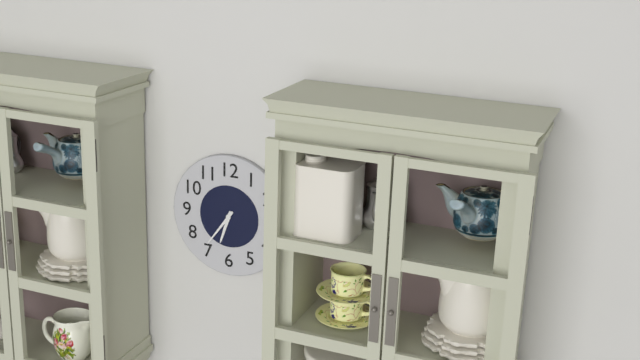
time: 6.36
